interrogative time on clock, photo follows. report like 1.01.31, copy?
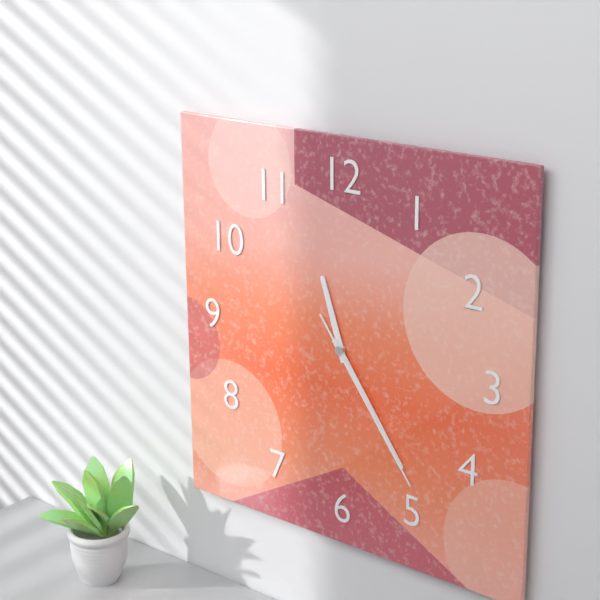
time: 11.24.24
